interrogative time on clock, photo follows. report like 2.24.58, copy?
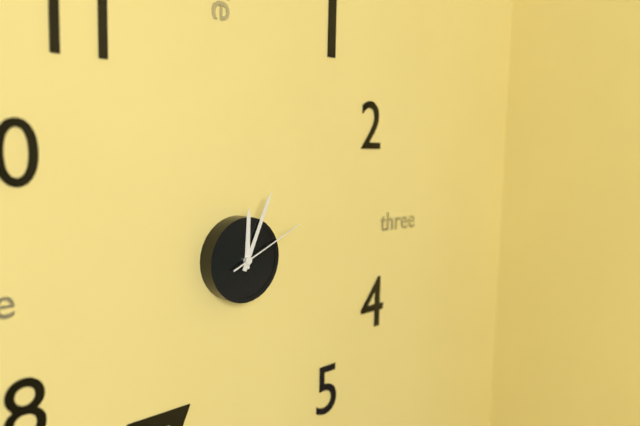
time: 12.04.11
